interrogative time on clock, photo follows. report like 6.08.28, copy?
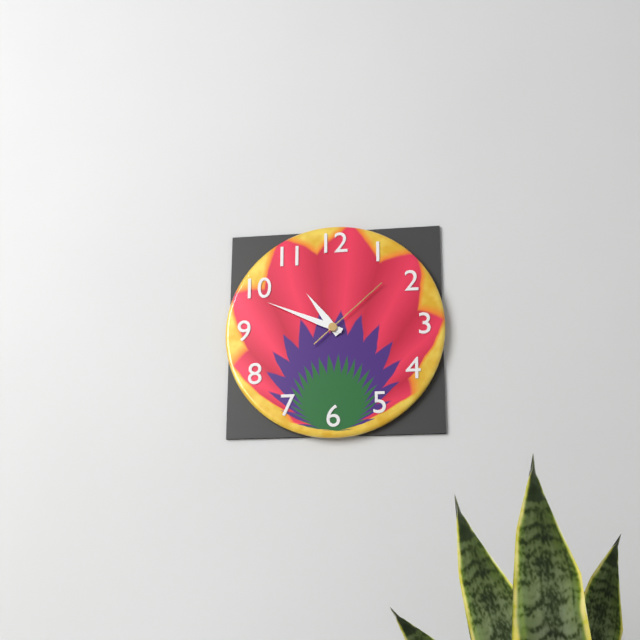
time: 10.49.08
